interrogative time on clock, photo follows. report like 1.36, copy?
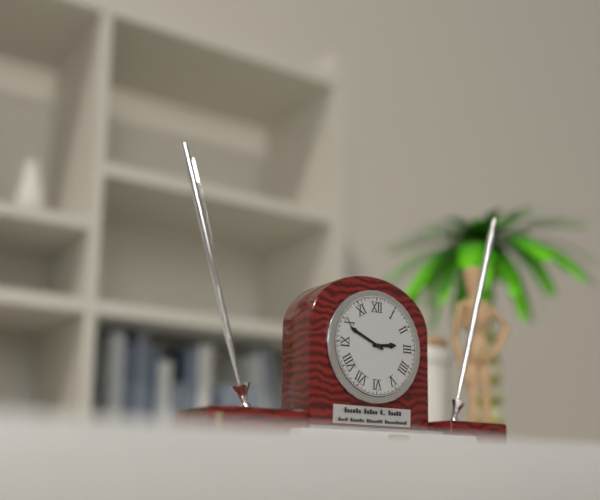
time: 2.49
